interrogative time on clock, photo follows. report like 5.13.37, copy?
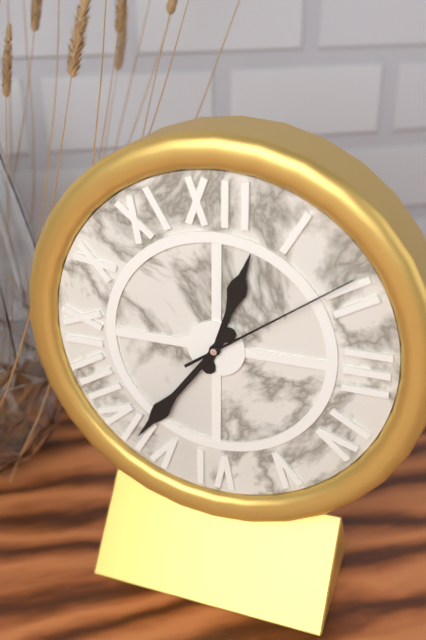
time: 12.36.09
